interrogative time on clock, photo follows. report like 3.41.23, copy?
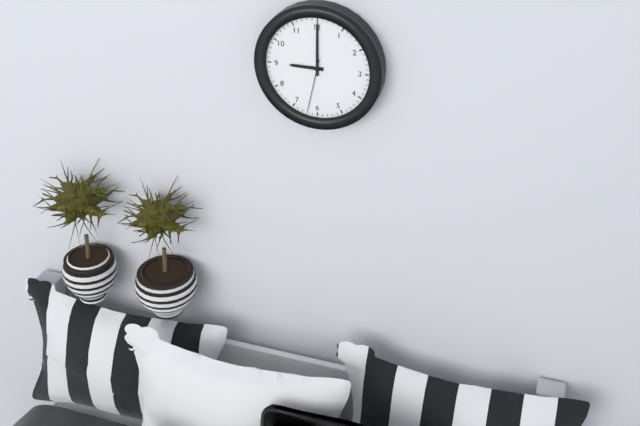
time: 9.00.32
